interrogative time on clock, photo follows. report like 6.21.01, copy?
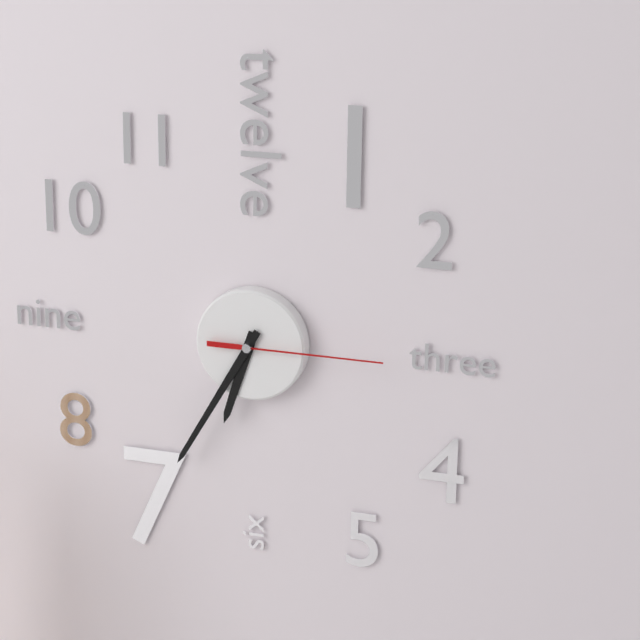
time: 6.35.15
